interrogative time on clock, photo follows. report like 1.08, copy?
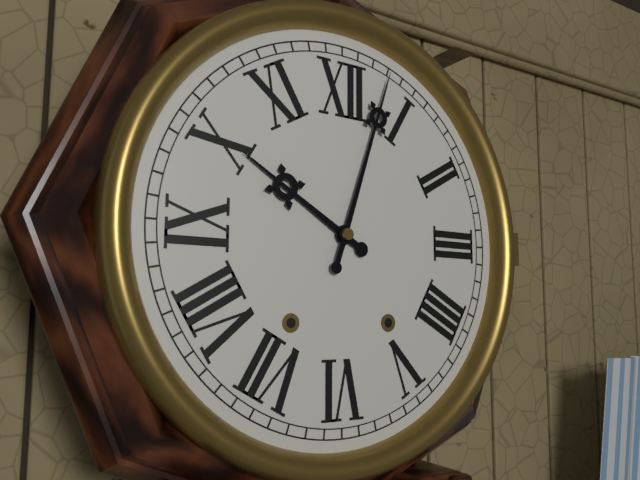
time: 10.03
